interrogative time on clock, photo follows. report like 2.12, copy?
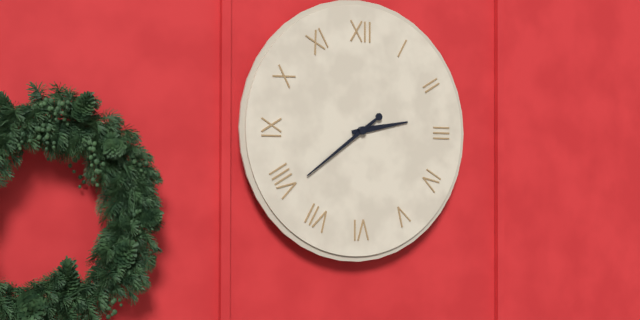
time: 2.39
